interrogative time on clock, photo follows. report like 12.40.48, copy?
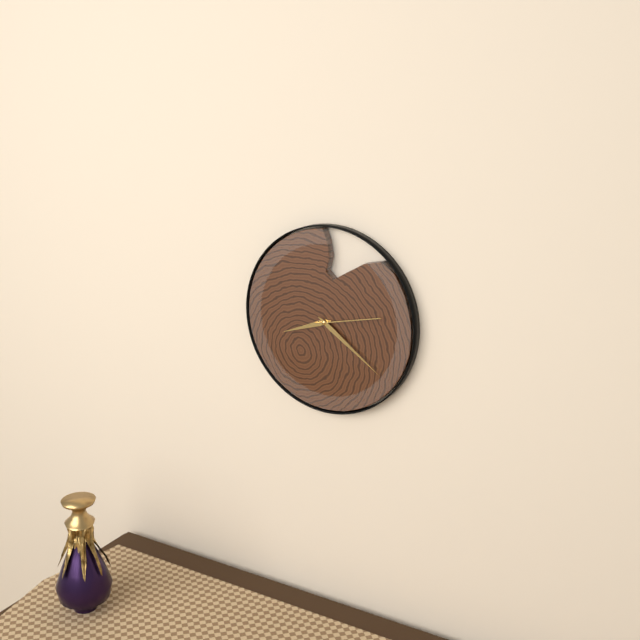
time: 8.21.13
